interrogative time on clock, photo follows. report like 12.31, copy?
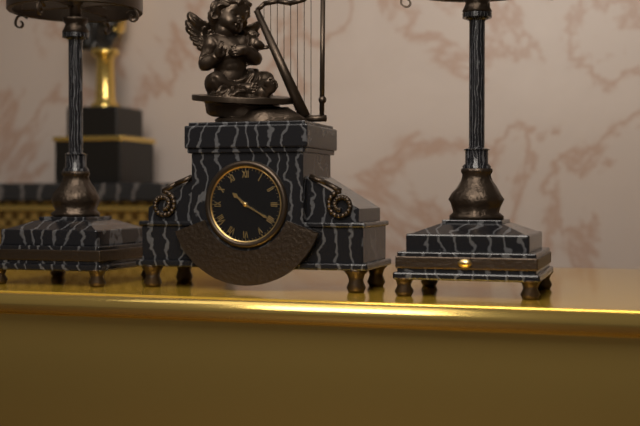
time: 10.20
